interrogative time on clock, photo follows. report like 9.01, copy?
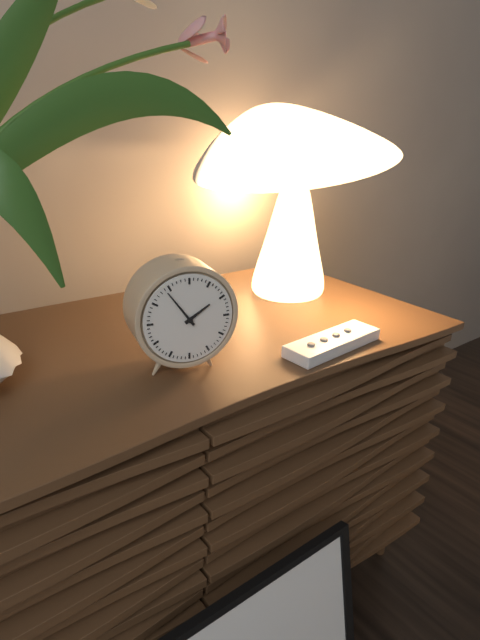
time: 1.54
